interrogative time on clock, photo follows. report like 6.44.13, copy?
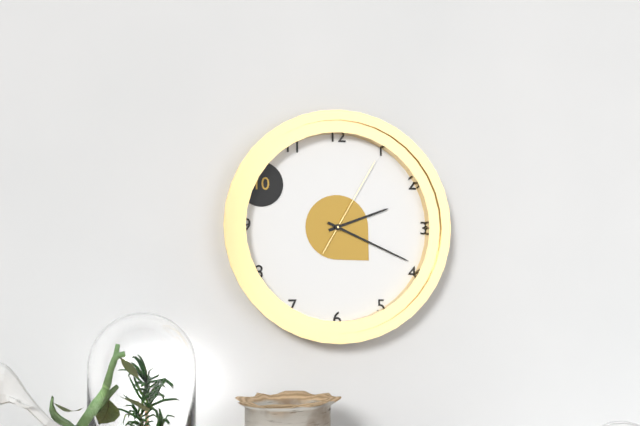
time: 2.19.05
